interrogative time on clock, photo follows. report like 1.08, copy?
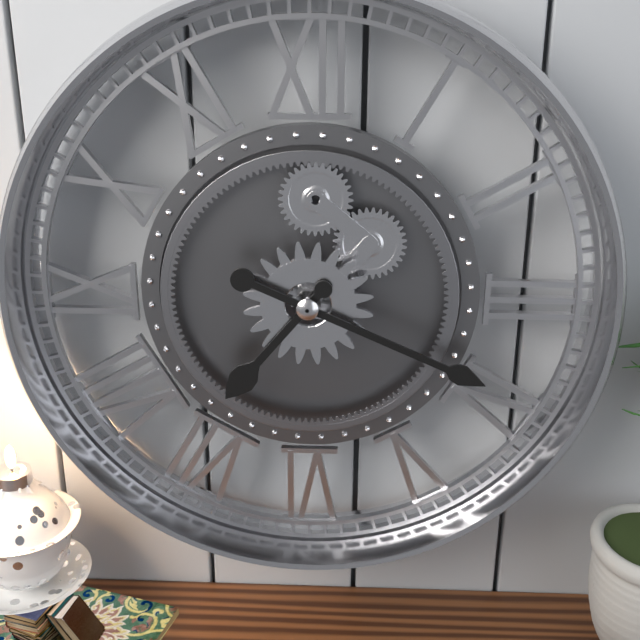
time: 7.19
